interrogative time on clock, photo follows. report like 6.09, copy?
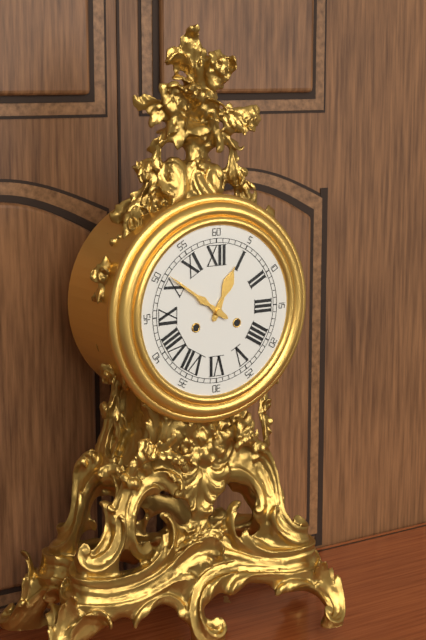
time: 12.51
